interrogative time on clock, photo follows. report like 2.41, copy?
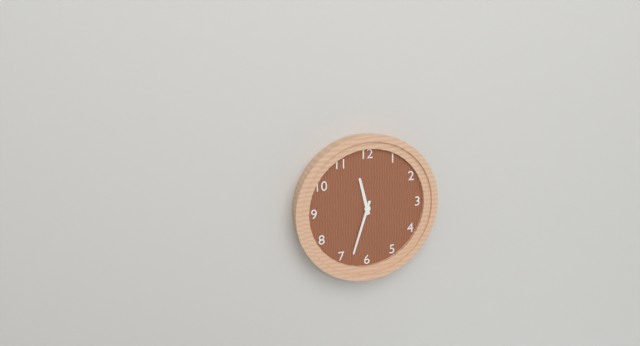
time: 11.33
